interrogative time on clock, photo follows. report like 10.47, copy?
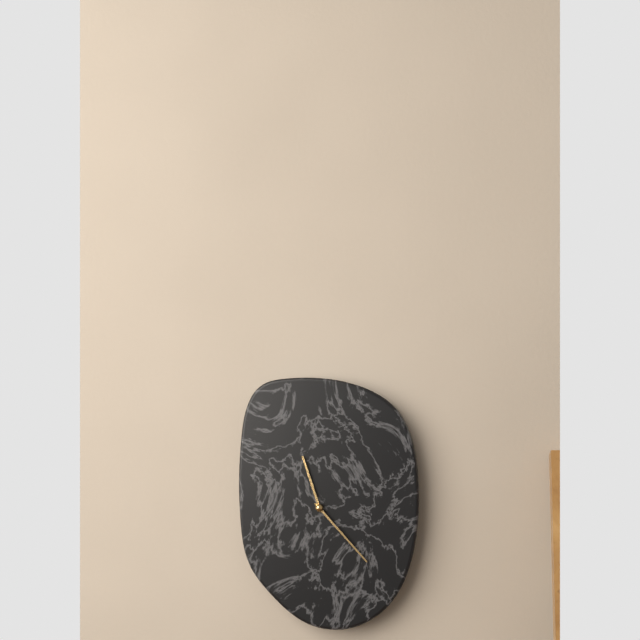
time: 11.23
